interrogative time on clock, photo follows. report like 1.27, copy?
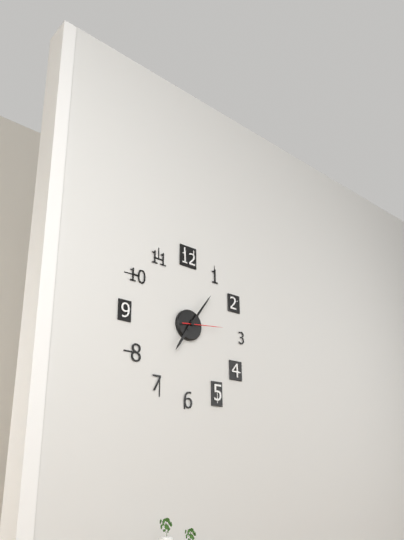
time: 7.06
